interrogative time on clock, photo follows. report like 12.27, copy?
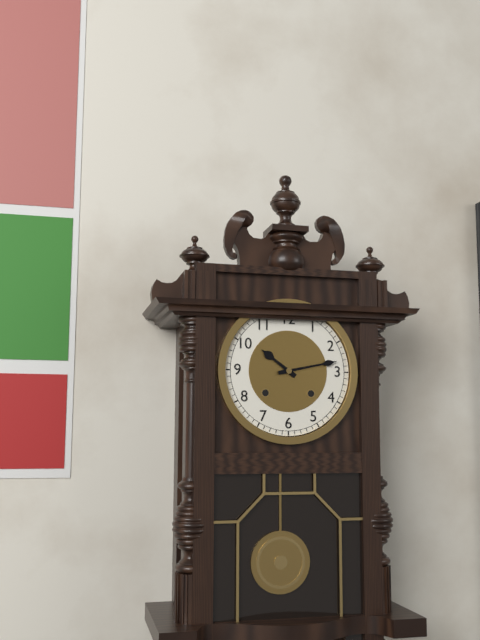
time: 10.13
